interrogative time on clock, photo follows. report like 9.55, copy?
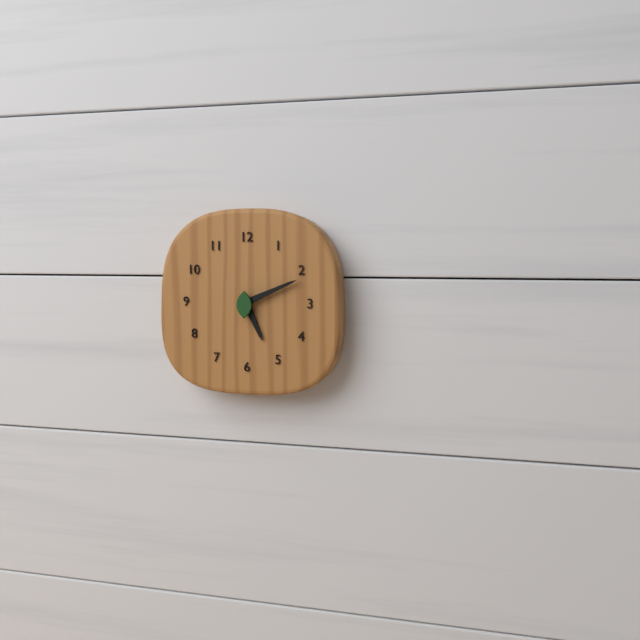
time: 5.11
